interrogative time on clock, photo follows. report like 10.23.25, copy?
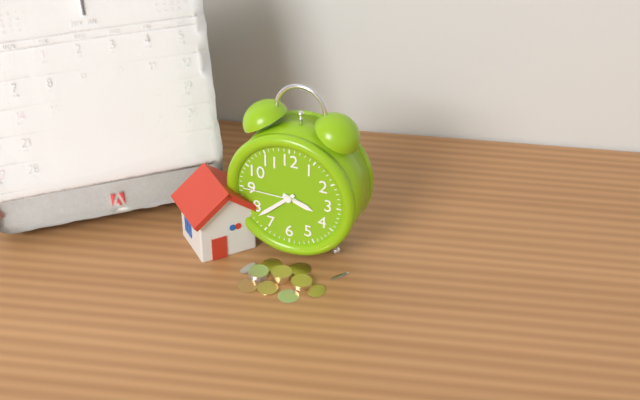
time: 3.38.45
